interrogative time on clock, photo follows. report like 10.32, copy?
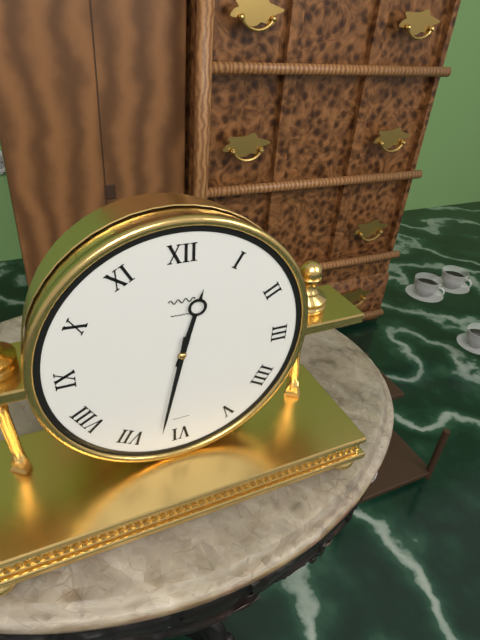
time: 12.32
